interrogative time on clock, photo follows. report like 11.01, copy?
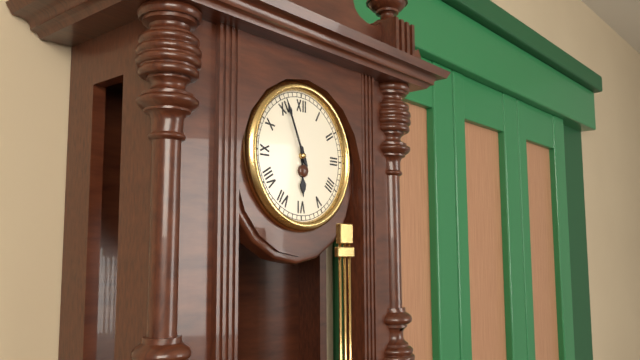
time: 5.56
